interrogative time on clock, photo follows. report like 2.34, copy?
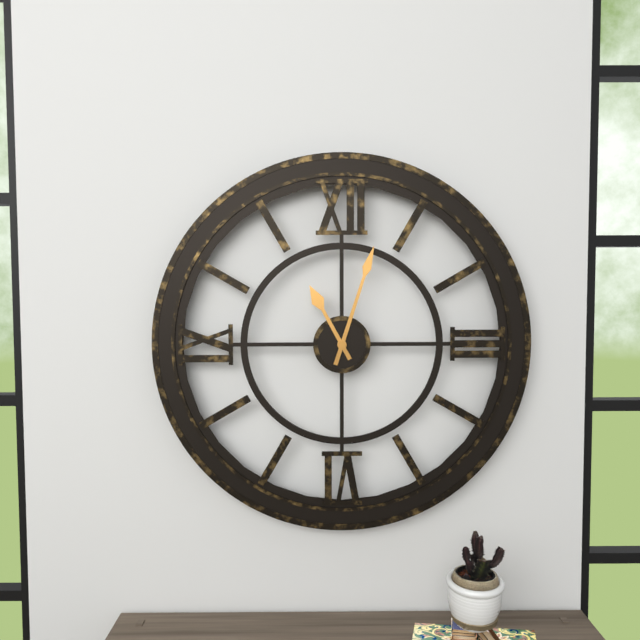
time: 11.03
